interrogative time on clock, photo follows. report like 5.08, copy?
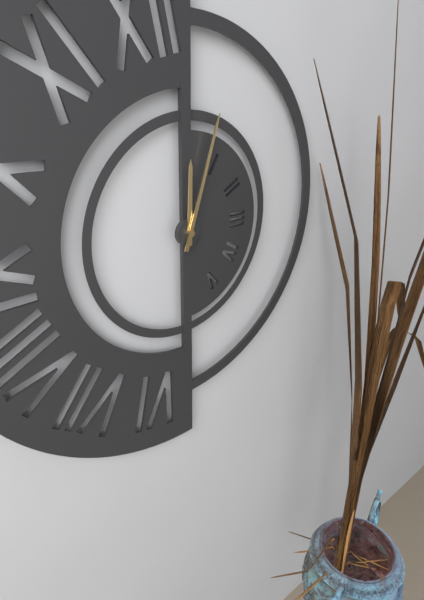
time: 12.03
